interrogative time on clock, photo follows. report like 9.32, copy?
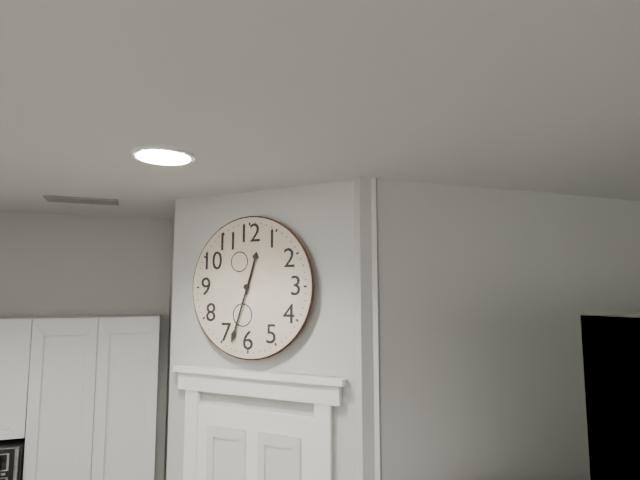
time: 12.33
